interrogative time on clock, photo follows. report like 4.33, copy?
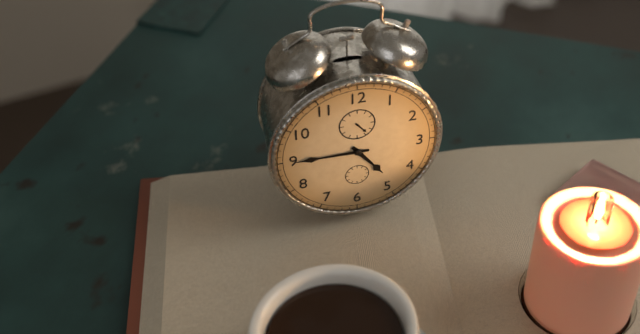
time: 4.45
